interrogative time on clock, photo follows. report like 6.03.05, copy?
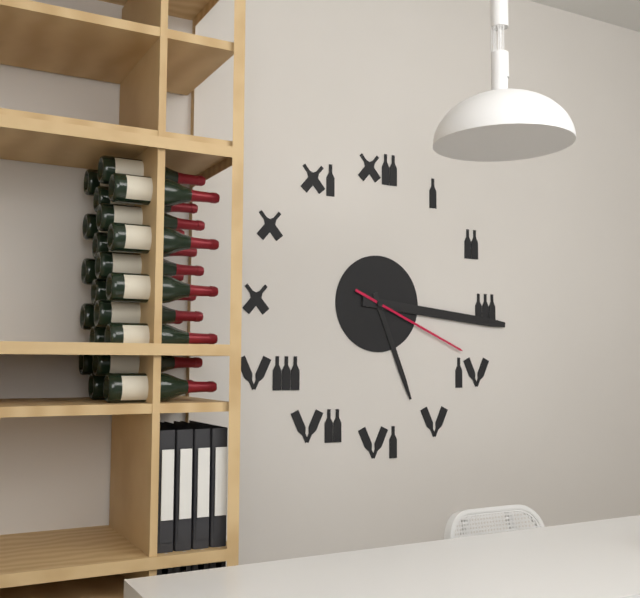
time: 5.16.19
